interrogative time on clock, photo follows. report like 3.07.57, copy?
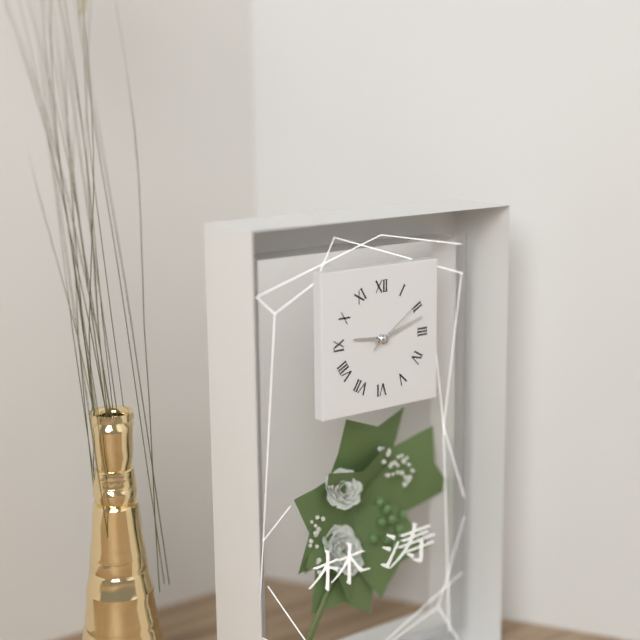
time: 9.12.09
